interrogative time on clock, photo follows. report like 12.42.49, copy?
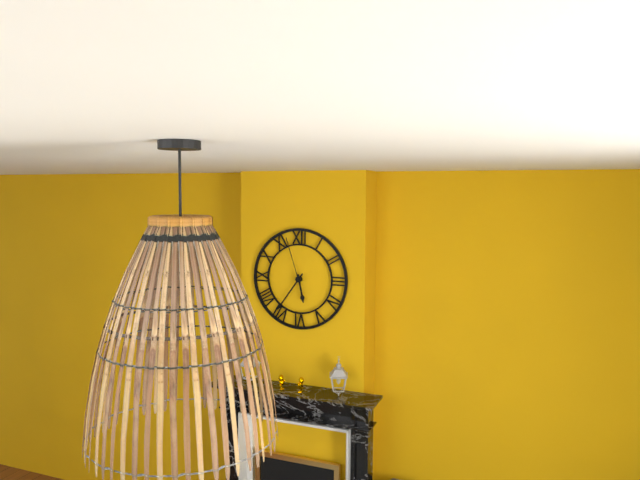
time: 5.36.57
